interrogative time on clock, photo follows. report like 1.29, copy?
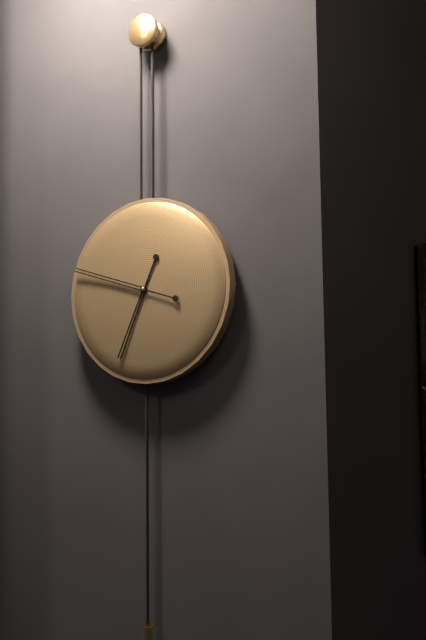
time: 6.48
